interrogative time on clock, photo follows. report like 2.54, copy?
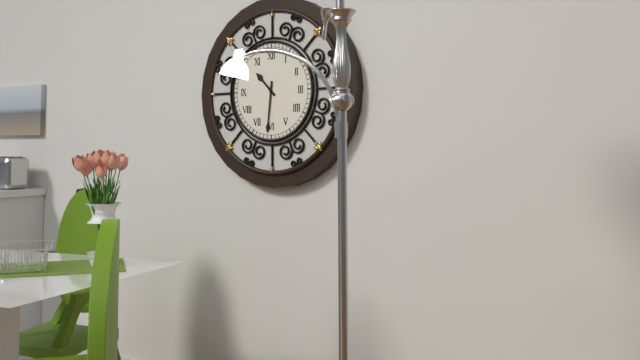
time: 10.31
